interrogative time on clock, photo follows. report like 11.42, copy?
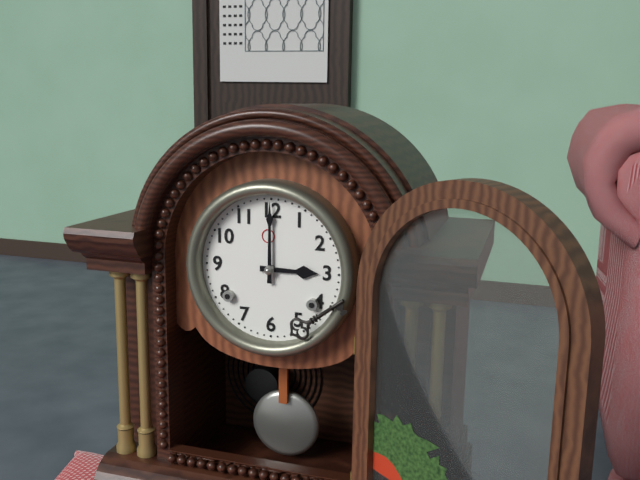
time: 3.00
